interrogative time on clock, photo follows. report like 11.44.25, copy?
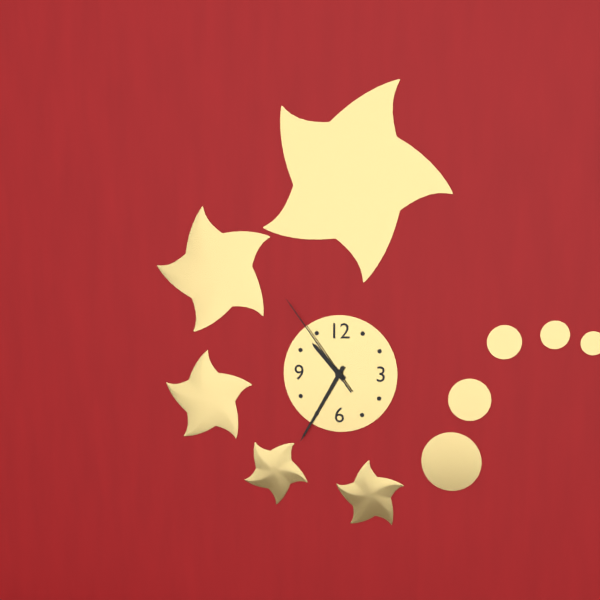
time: 10.35.54
